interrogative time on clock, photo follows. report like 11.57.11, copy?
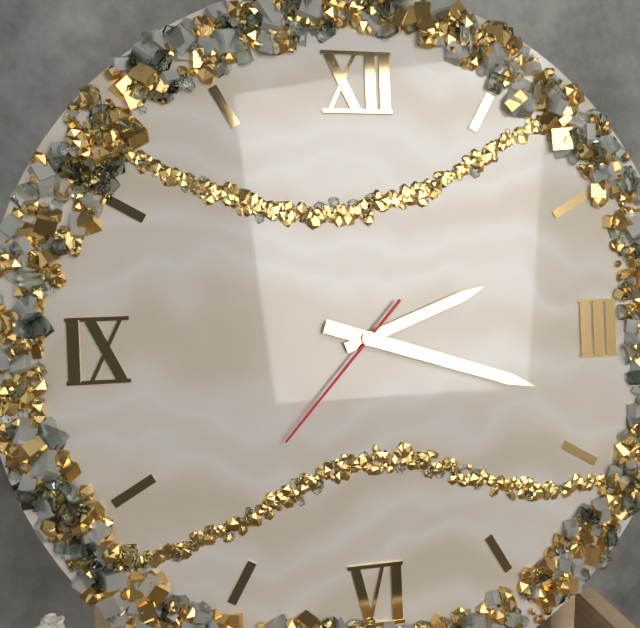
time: 2.18.37
